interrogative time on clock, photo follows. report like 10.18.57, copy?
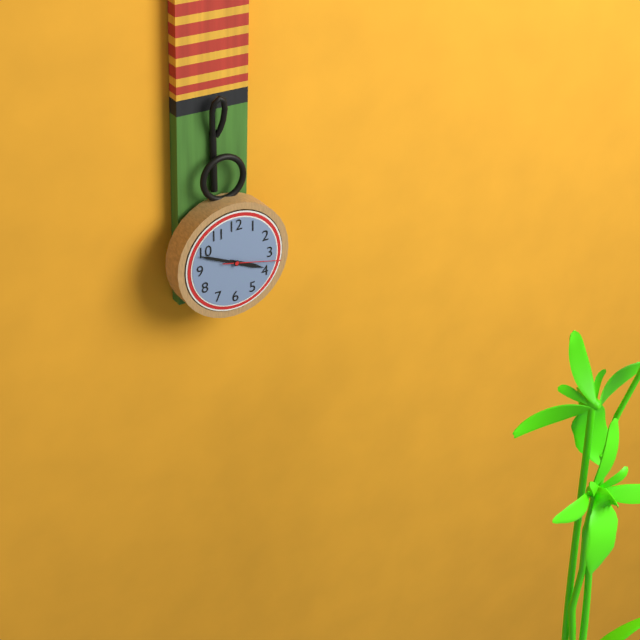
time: 3.49.17
